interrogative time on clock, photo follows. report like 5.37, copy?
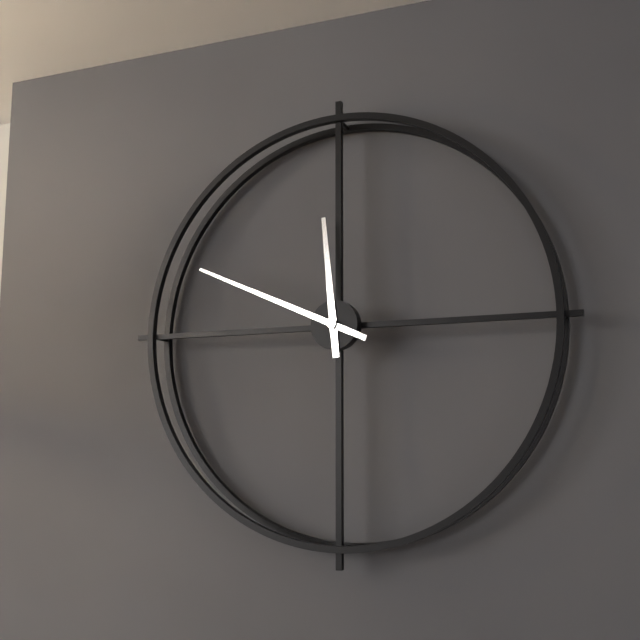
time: 11.49
